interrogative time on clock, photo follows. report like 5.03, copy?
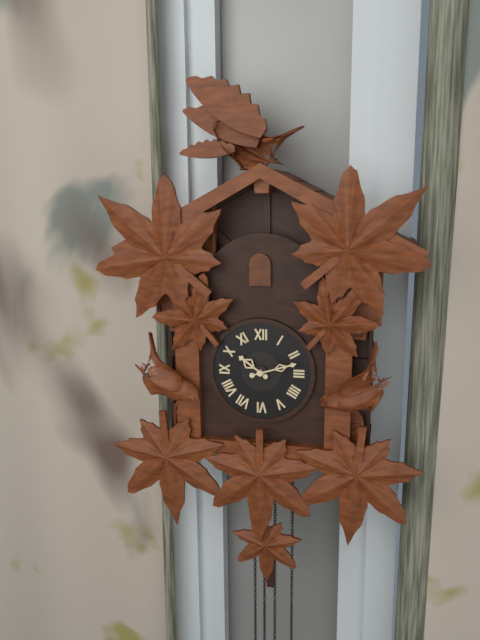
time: 10.12
